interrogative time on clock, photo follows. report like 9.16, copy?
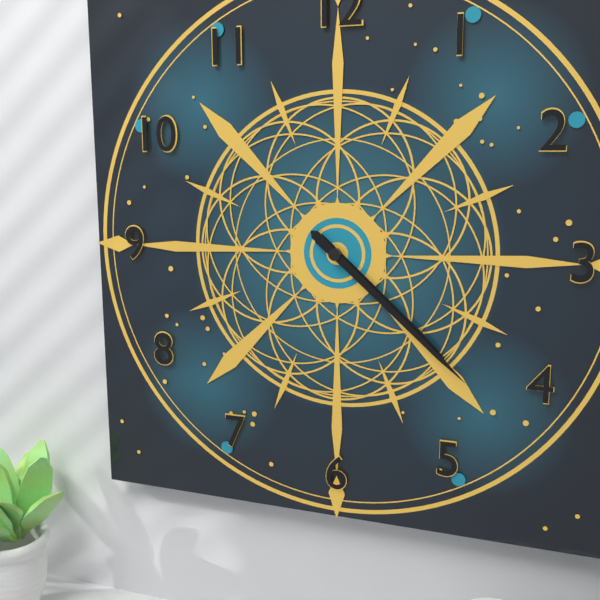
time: 4.22
